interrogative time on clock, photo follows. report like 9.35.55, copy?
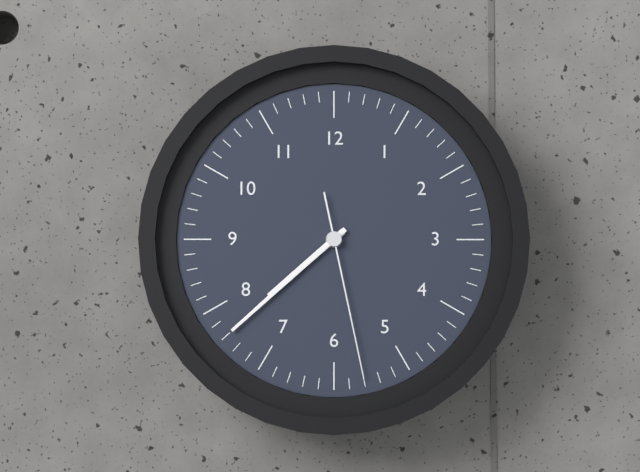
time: 7.38.28
